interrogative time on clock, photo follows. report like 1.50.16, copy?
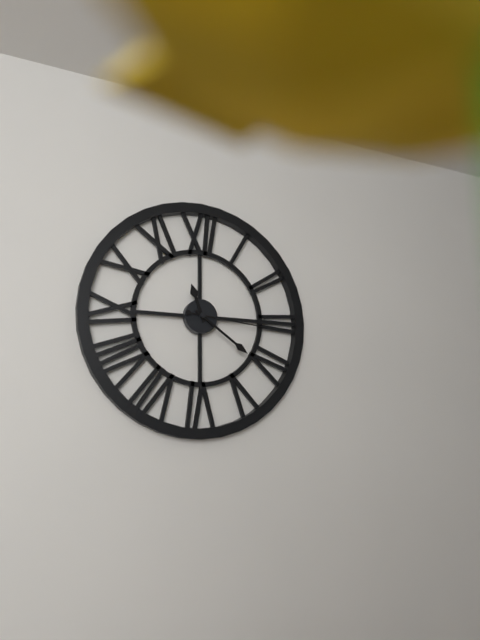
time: 11.21.16
